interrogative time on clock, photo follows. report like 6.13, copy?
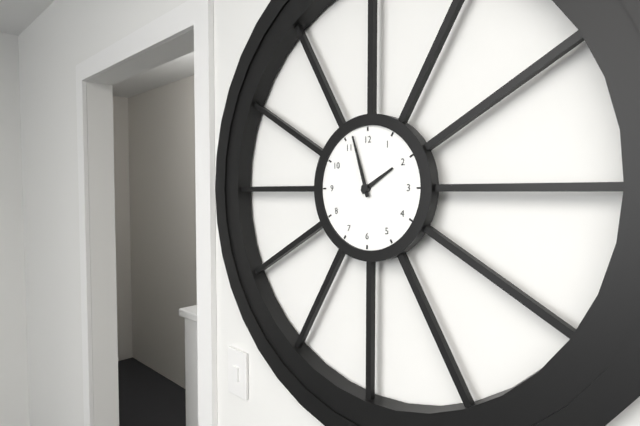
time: 1.57
